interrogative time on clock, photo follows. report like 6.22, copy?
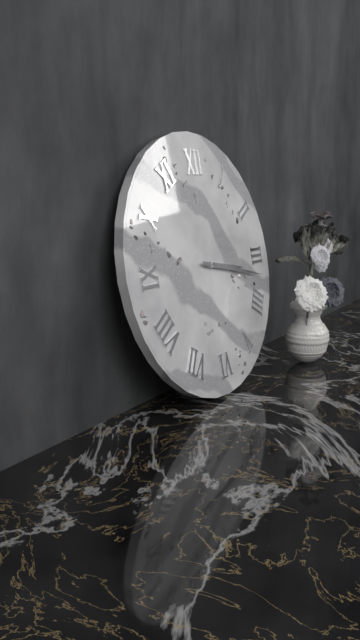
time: 3.17
